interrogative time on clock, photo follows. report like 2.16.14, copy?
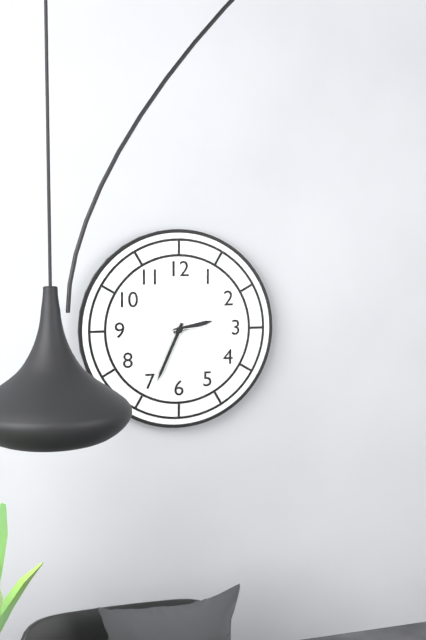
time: 2.34.14
